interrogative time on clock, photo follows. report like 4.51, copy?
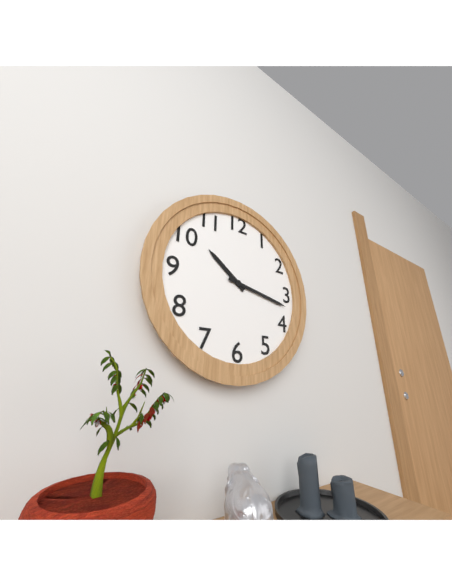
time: 10.17
